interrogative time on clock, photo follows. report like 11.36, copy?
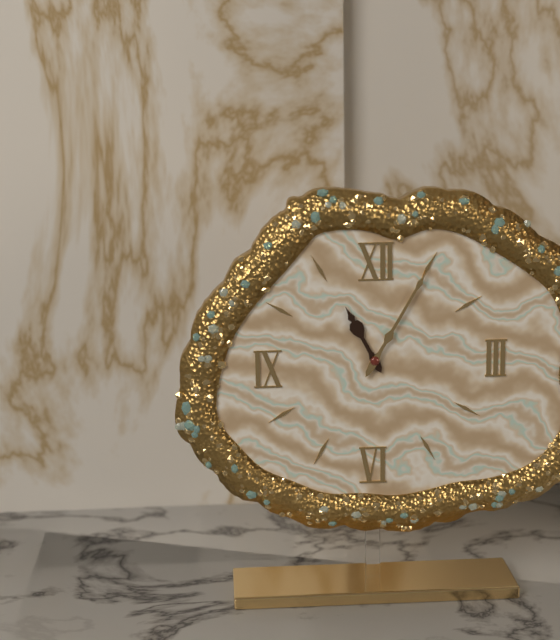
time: 11.05
